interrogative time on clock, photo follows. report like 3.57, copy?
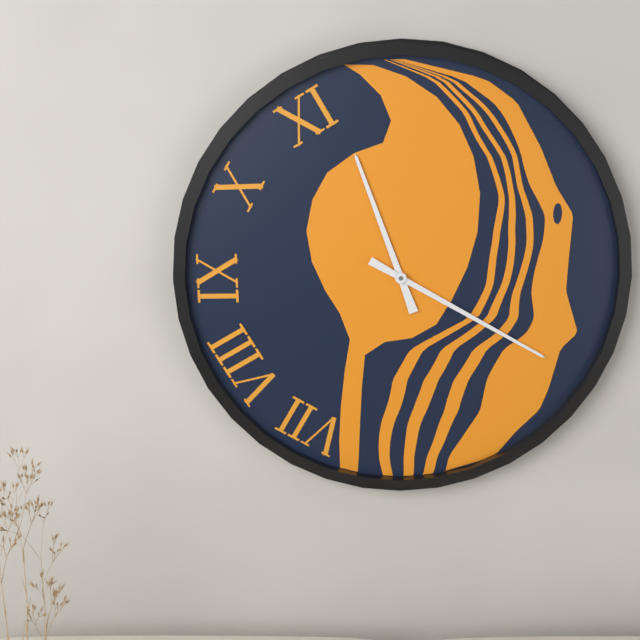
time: 11.20
